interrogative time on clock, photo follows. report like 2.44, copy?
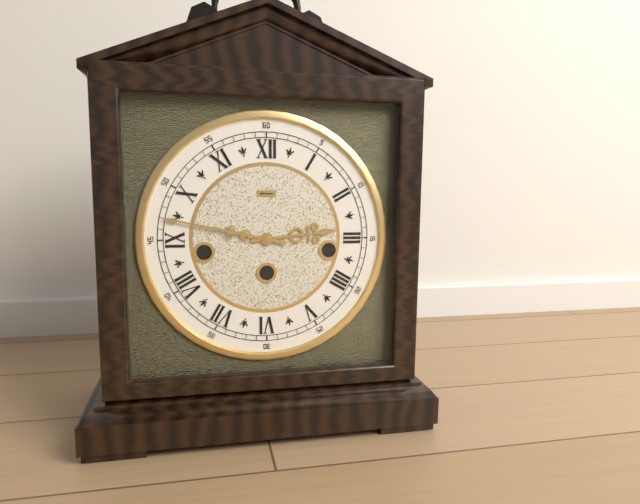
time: 2.47
